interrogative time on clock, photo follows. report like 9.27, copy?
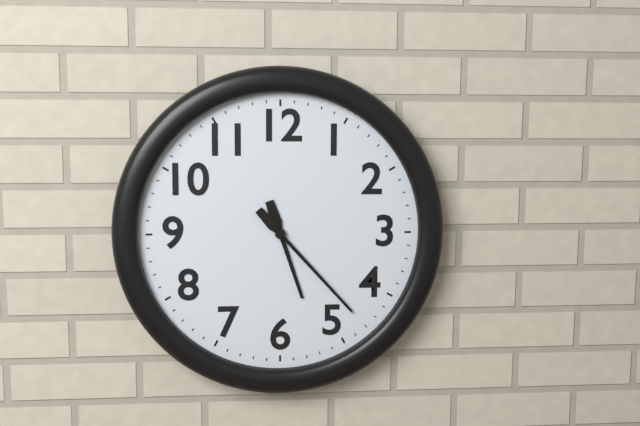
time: 5.23
